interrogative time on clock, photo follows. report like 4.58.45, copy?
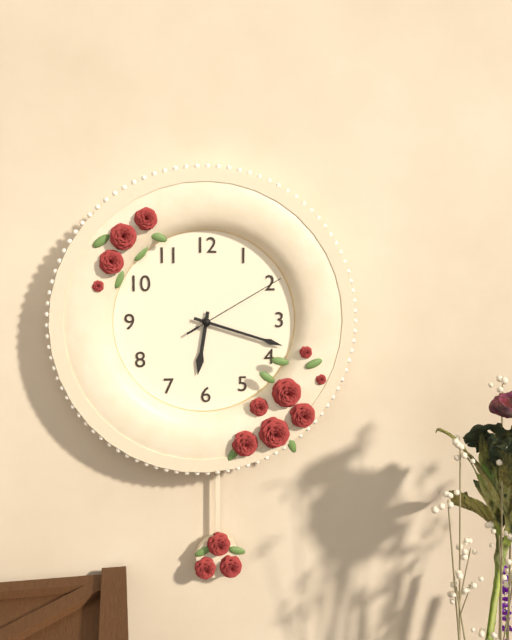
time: 6.18.10
